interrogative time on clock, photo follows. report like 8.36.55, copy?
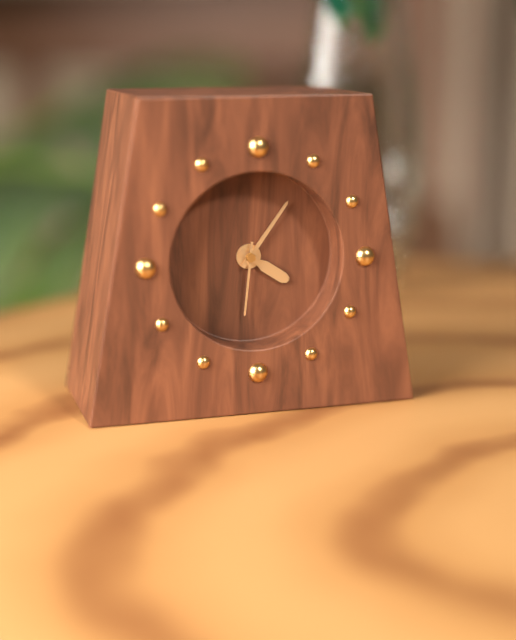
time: 4.06.31
